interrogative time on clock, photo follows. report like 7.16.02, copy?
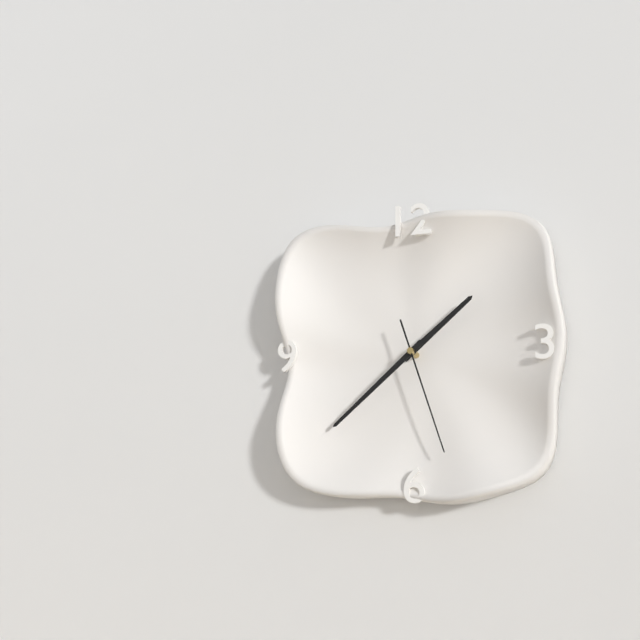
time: 1.38.27
